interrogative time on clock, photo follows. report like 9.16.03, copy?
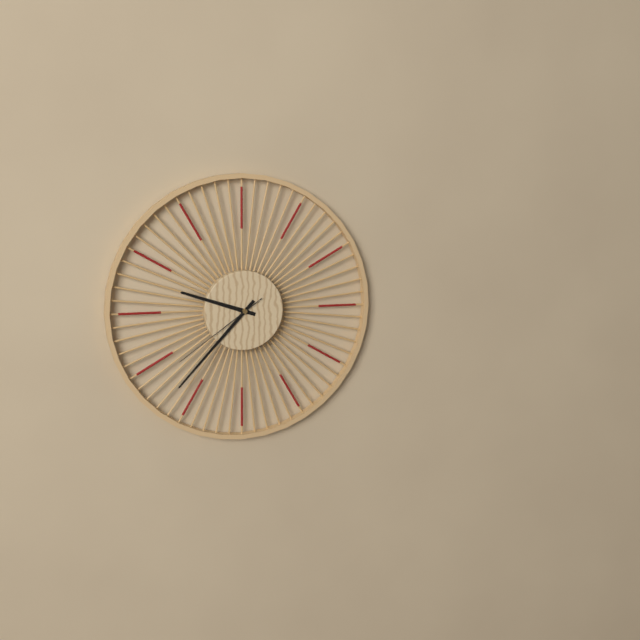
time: 9.37.39
